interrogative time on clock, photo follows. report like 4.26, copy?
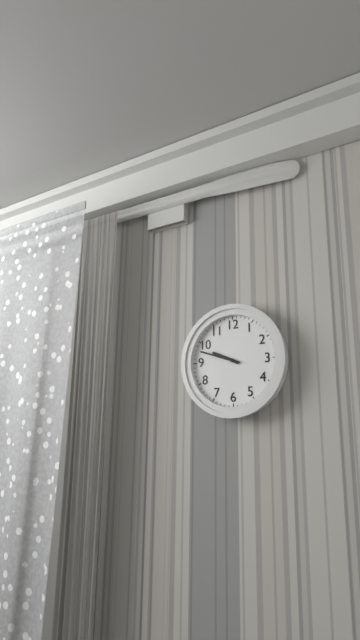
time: 9.48
